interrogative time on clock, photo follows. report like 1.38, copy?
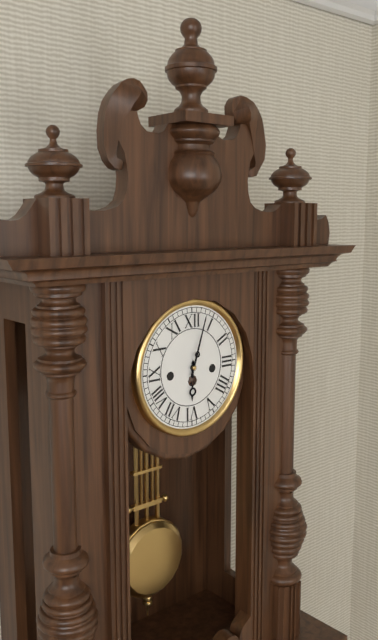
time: 6.03
